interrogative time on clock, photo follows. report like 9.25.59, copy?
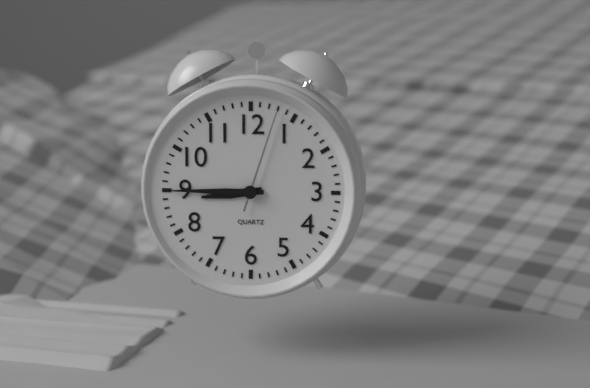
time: 8.45.03
